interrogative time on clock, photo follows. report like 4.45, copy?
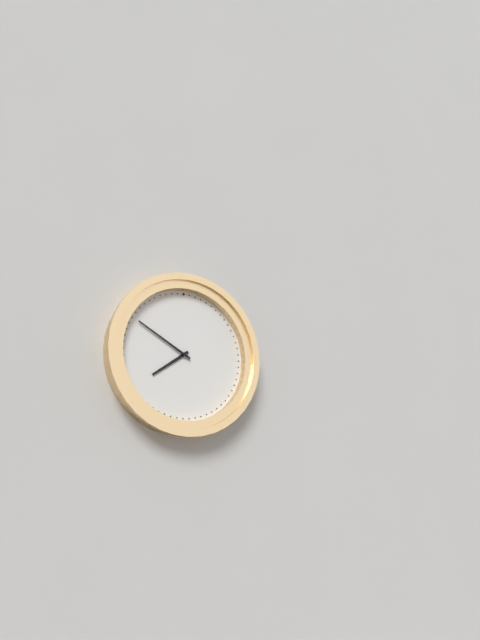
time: 7.50
